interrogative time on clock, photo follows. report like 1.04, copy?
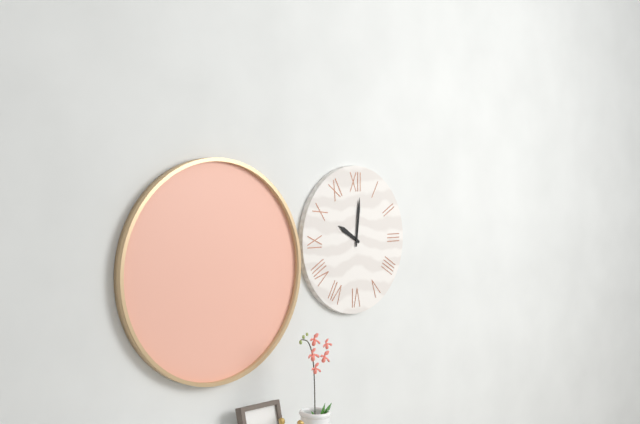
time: 10.01
